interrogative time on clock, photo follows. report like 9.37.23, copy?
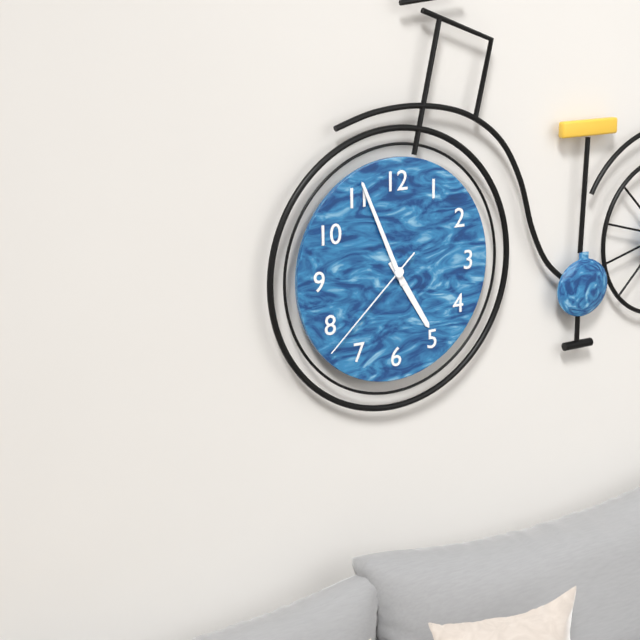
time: 4.56.38
